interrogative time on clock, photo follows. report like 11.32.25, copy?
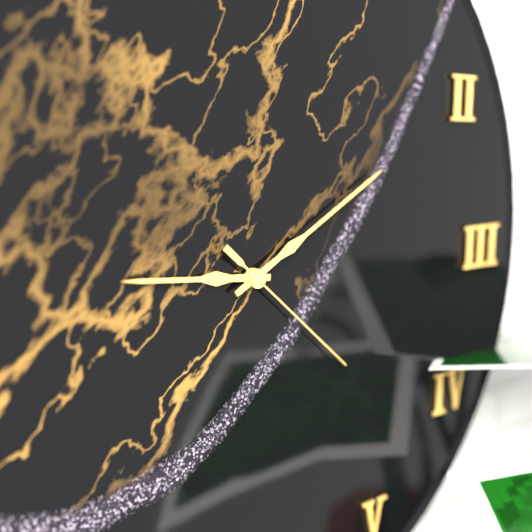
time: 9.10.22
